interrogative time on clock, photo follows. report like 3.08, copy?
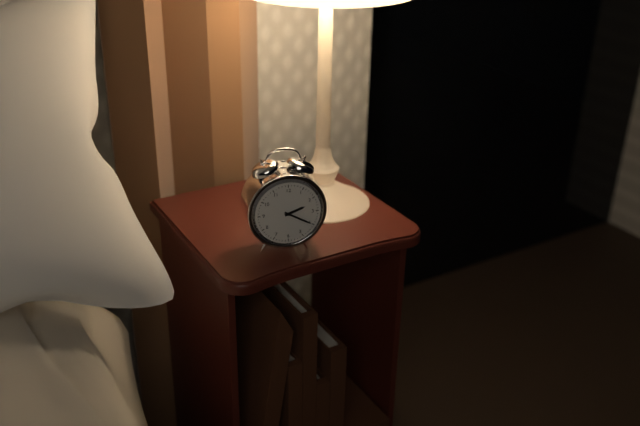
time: 2.20
